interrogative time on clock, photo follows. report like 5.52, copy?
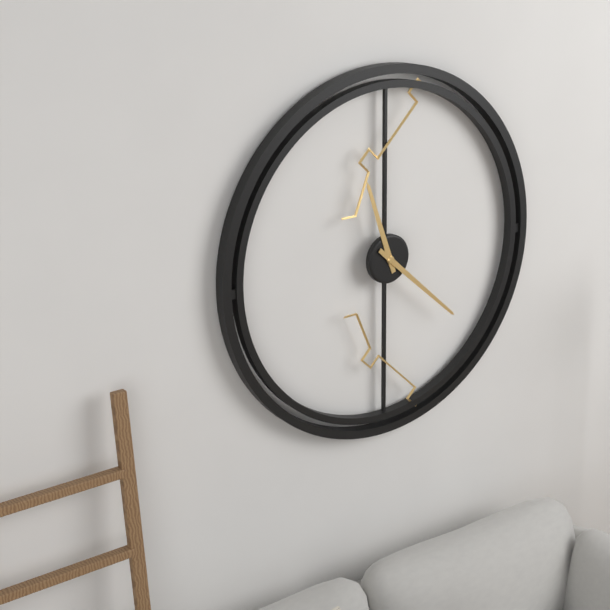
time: 11.22
